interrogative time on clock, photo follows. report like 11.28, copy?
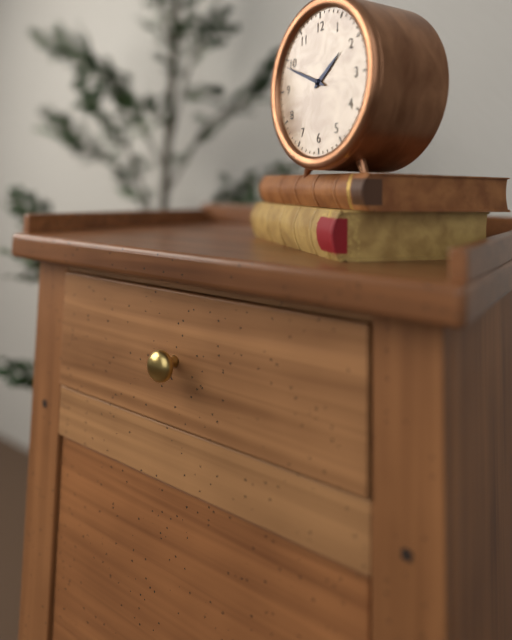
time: 1.49
